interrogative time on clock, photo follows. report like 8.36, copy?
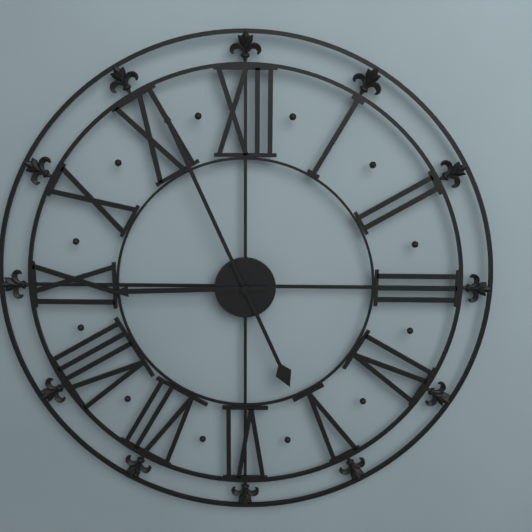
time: 8.56
